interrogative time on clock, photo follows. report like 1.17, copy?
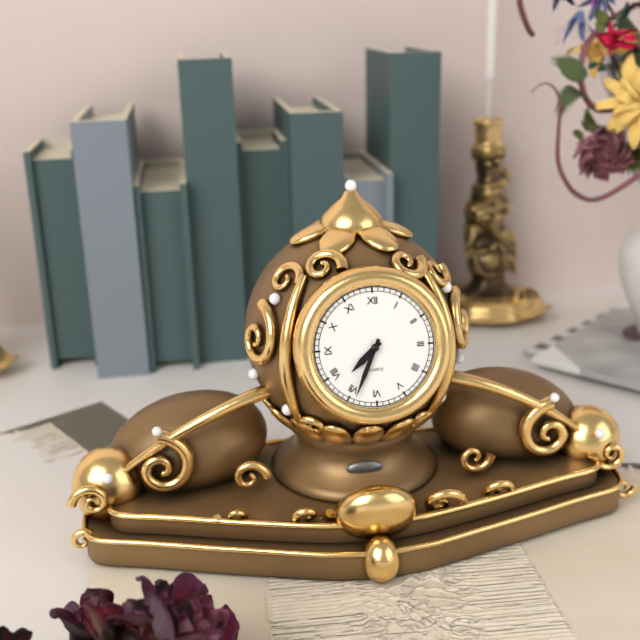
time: 7.34
